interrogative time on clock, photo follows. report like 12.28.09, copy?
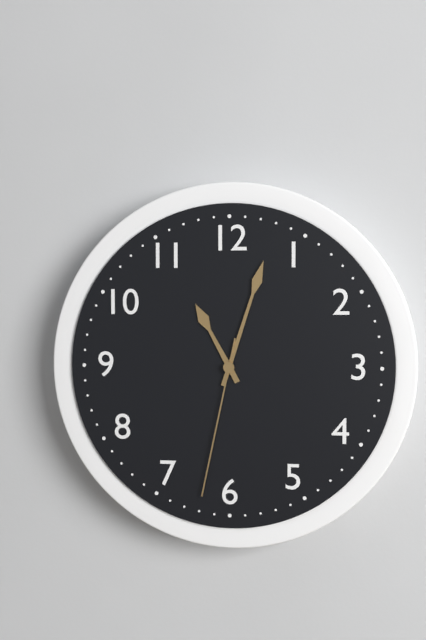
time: 11.03.32
